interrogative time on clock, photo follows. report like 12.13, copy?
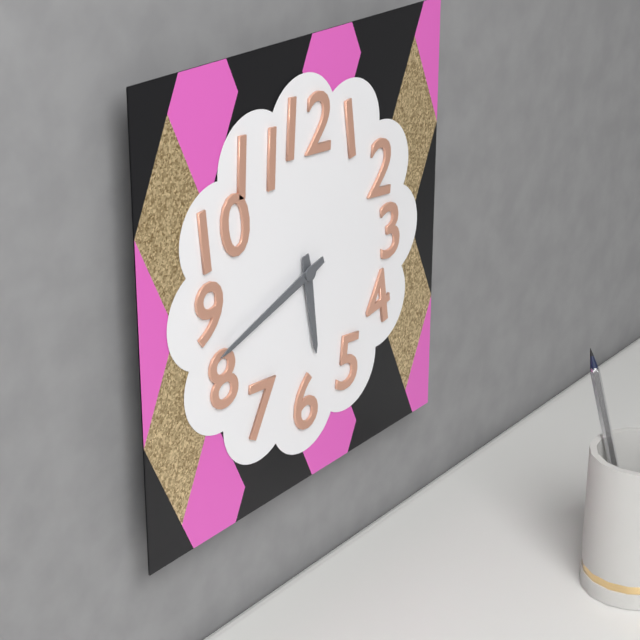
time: 5.42
